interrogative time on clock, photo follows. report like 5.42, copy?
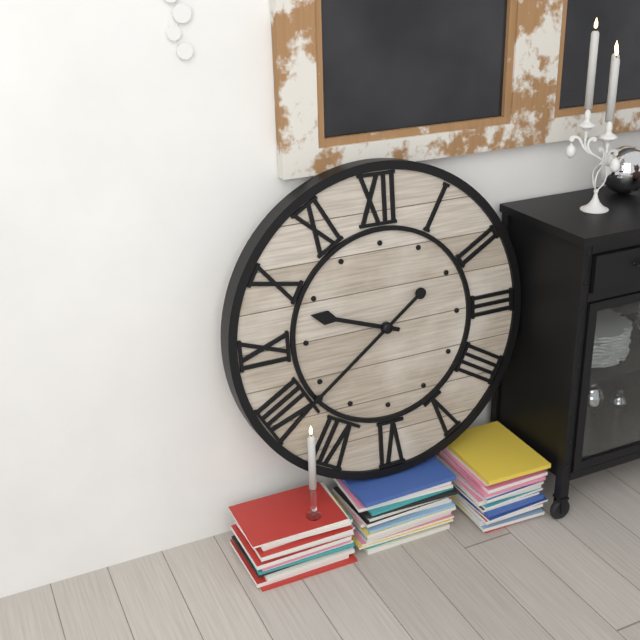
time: 9.39
